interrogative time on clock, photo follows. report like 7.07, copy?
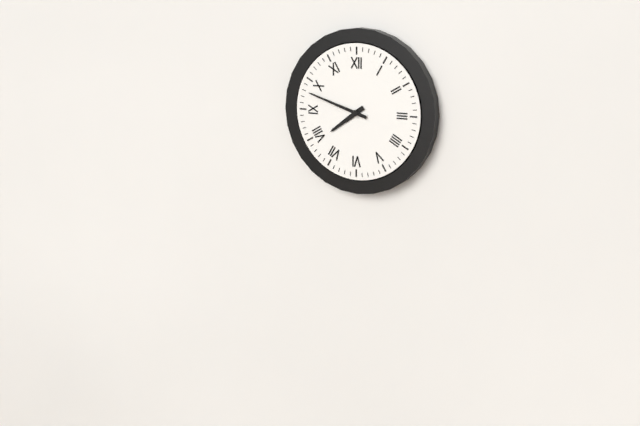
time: 7.48
